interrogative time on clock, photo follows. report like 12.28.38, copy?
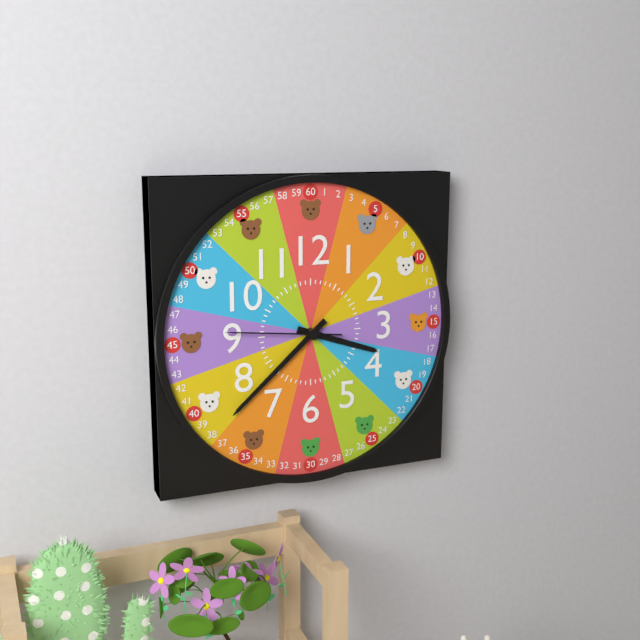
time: 3.38.46
